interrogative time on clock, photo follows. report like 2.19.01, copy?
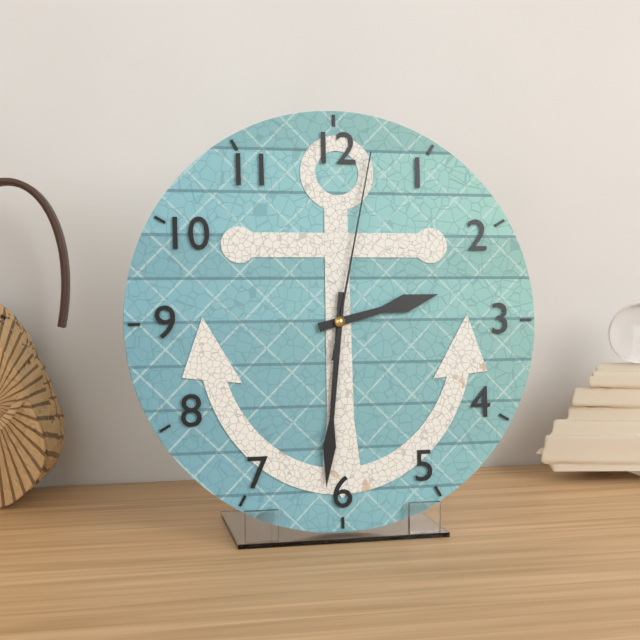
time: 2.31.02
